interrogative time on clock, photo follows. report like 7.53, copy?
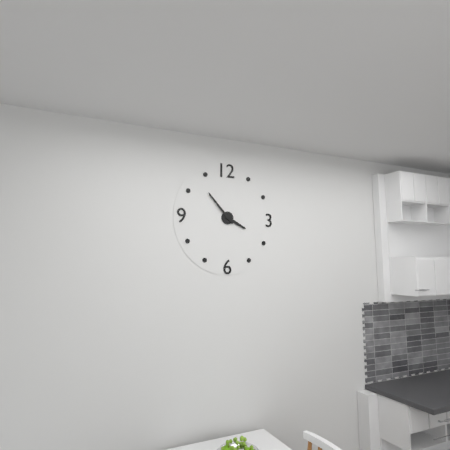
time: 3.53
